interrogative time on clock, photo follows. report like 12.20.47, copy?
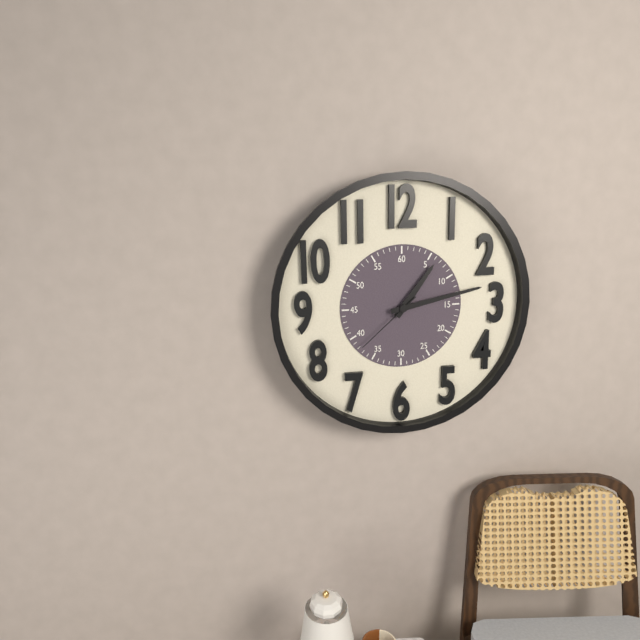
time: 1.13.38
